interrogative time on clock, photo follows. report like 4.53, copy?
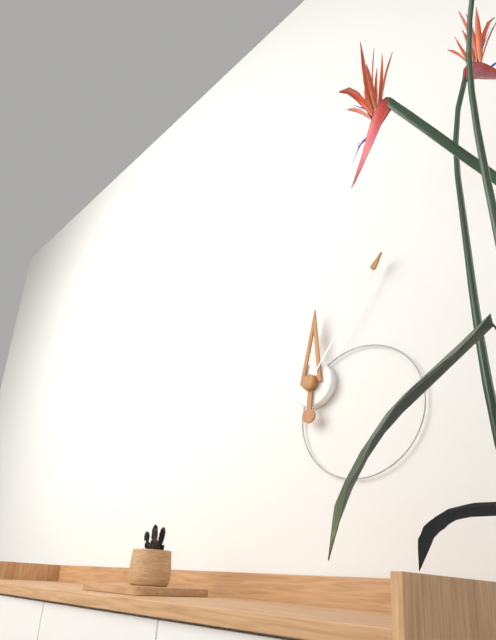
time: 12.06
